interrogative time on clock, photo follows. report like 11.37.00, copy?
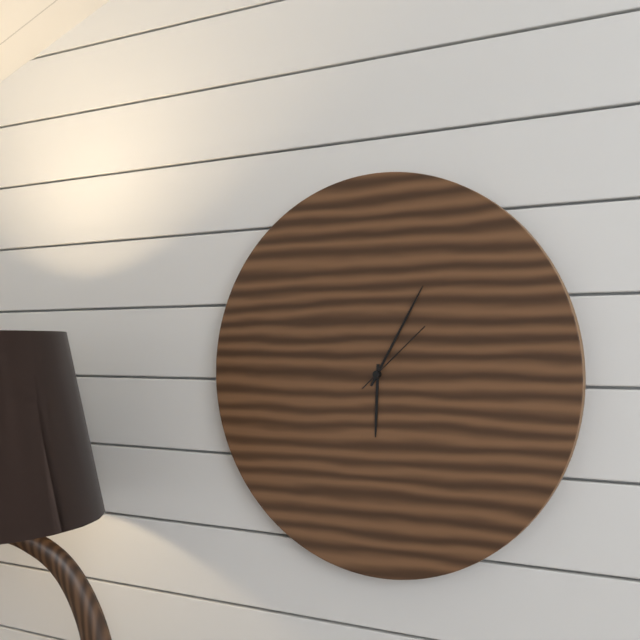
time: 6.05.08
